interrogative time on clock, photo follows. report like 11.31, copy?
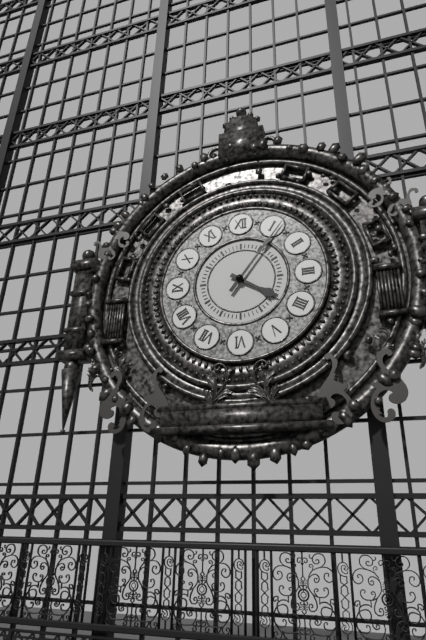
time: 4.06
